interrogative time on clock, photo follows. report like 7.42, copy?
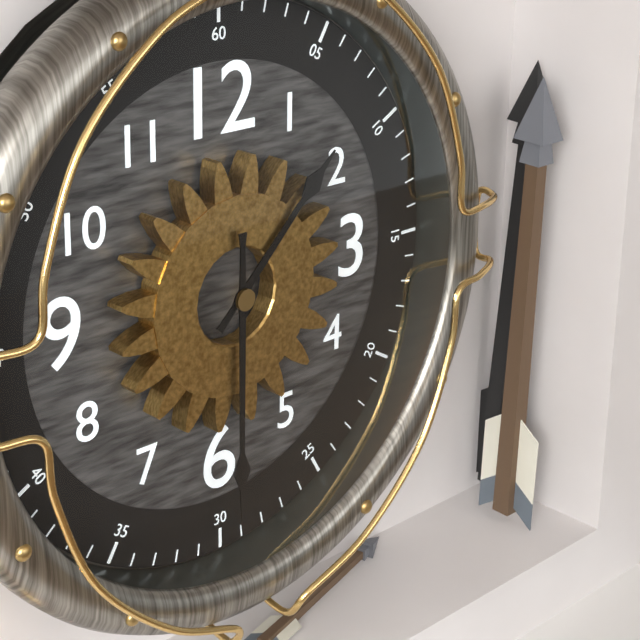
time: 1.30
